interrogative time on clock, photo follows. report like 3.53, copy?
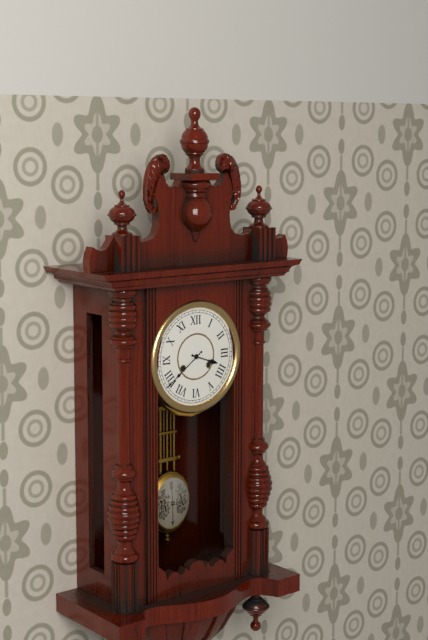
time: 3.39
